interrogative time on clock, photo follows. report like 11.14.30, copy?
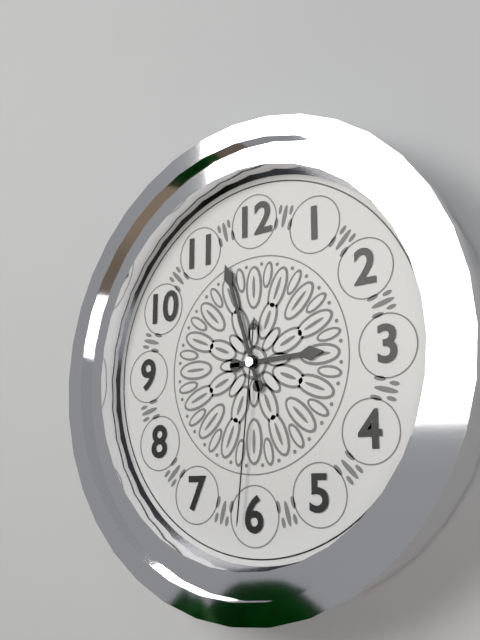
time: 2.57.31
